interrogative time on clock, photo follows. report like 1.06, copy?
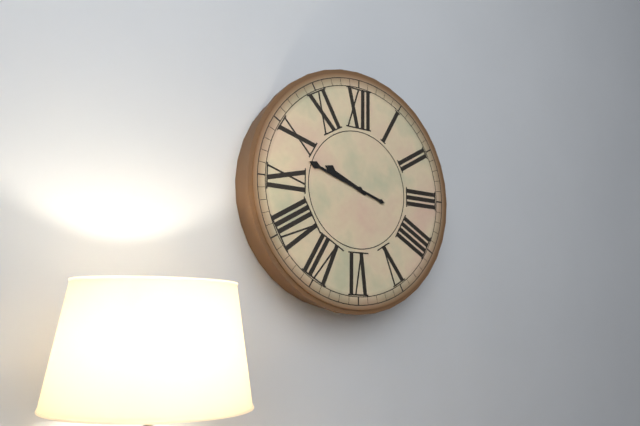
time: 9.48
